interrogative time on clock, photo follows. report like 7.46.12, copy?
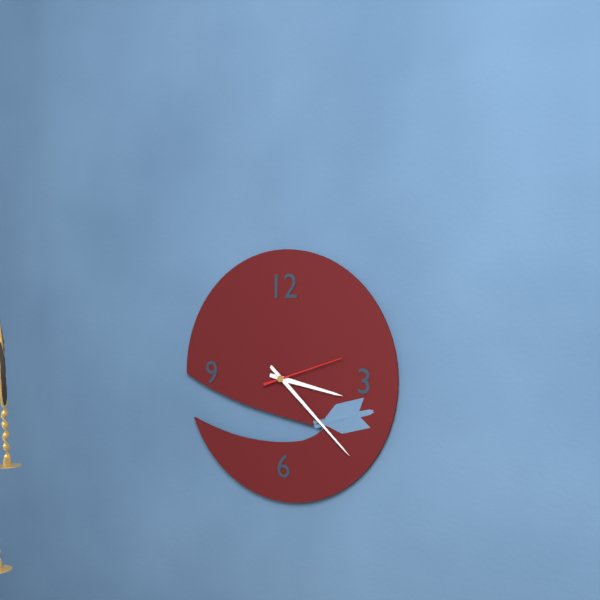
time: 3.22.12
